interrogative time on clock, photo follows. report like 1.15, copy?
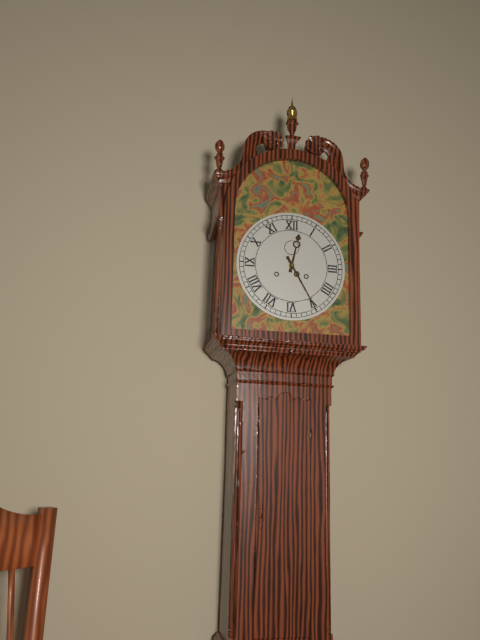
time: 12.25
